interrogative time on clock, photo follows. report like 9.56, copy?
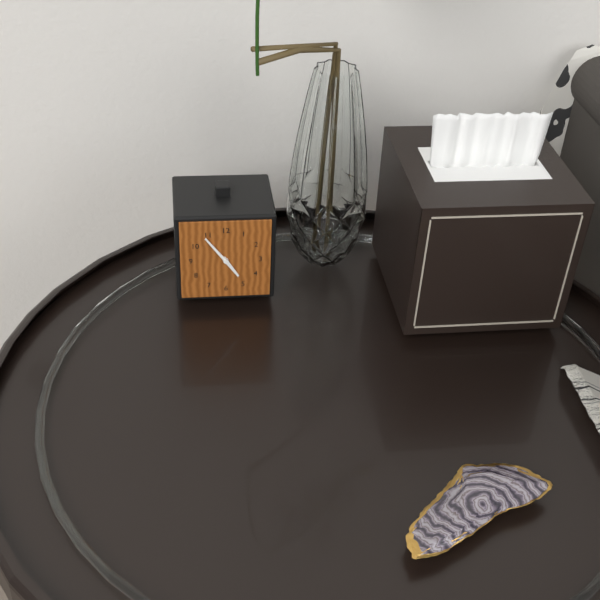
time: 4.54
